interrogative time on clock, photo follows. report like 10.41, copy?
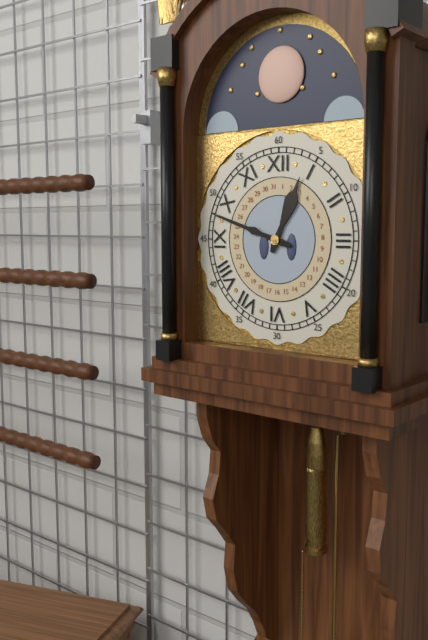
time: 12.48
